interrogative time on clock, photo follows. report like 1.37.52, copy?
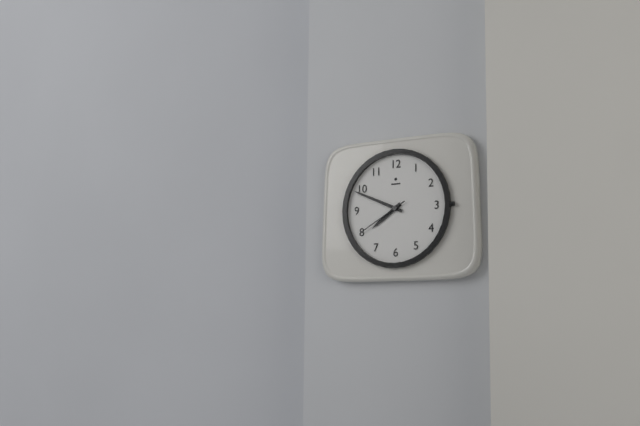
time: 7.49.40
